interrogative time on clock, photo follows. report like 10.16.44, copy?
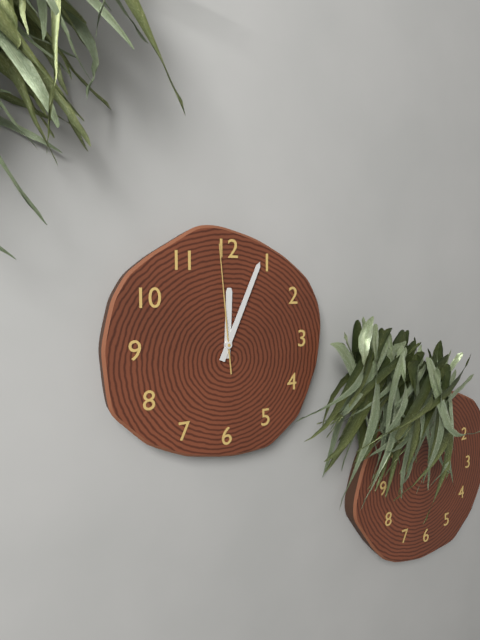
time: 12.04.59
